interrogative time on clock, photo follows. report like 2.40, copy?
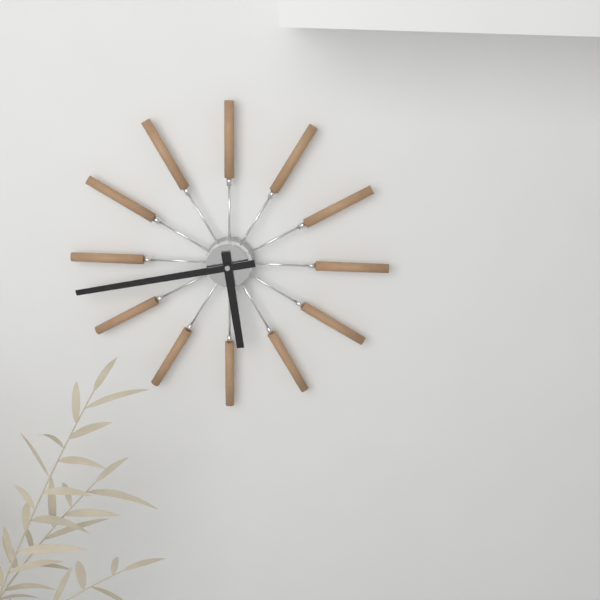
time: 5.43
